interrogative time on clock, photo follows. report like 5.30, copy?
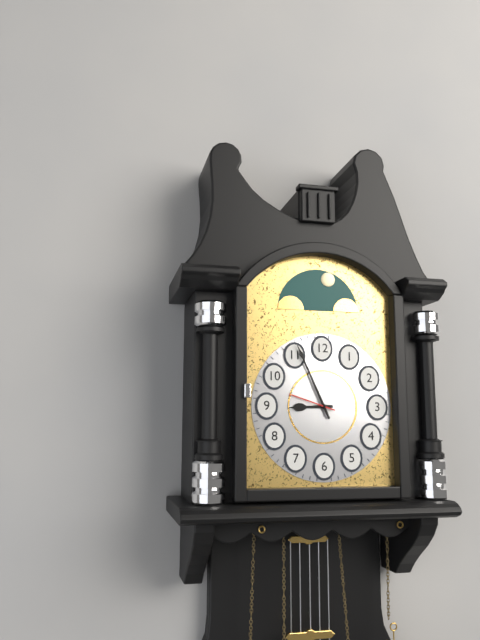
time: 8.56
